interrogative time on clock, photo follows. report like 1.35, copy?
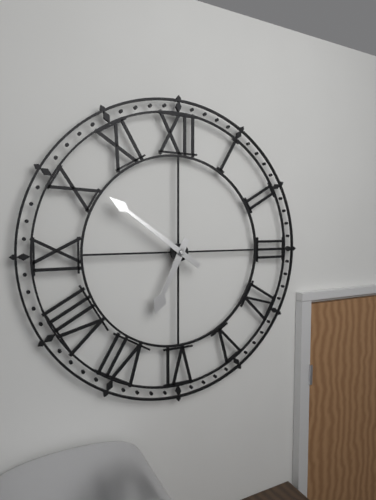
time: 6.51
